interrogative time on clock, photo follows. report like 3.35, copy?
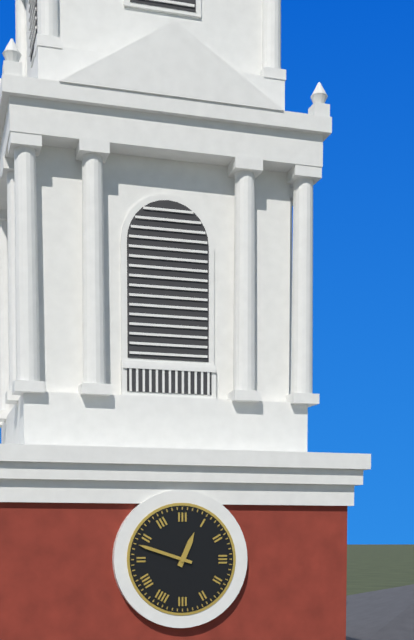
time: 12.48
